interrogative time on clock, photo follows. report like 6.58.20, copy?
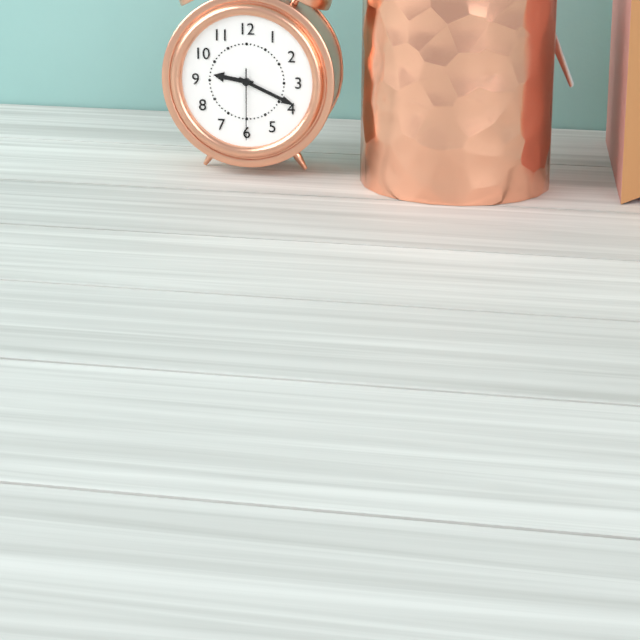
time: 9.19.30
